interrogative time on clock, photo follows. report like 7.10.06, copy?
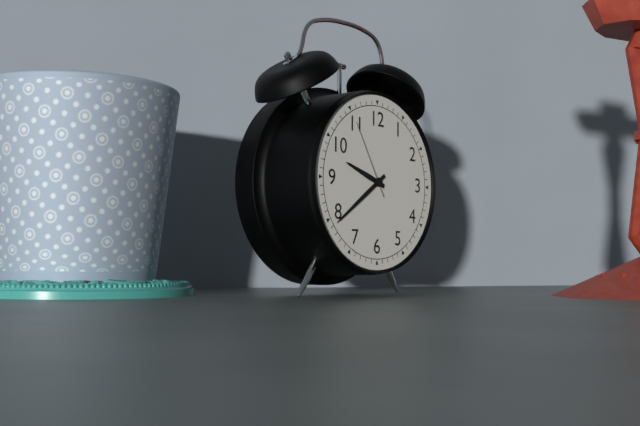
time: 9.39.55
